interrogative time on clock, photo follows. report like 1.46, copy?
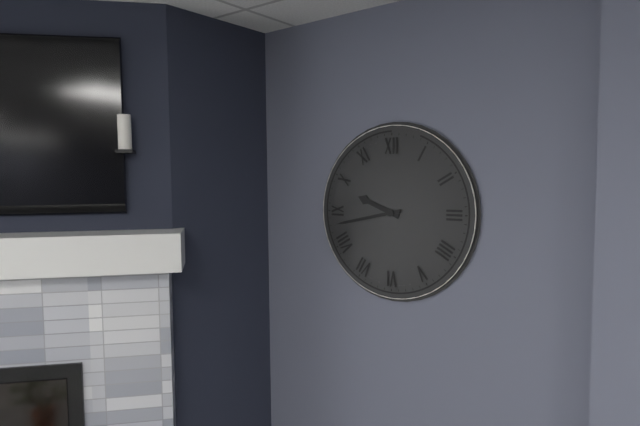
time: 9.43
